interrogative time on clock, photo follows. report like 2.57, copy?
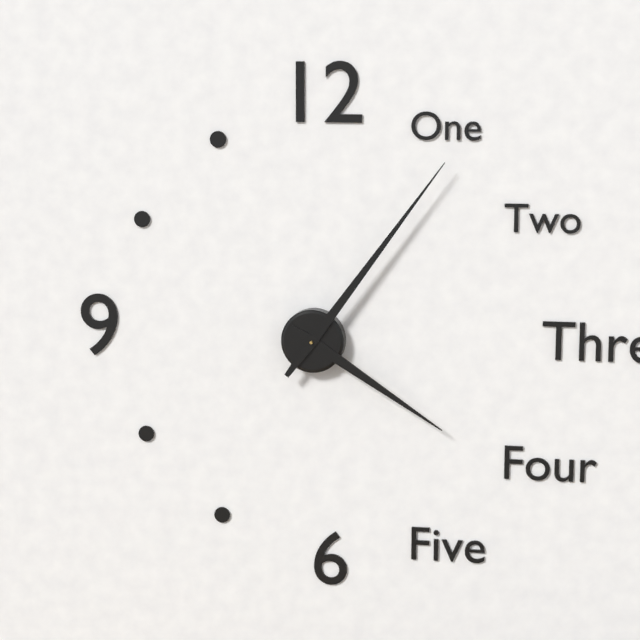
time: 4.06
